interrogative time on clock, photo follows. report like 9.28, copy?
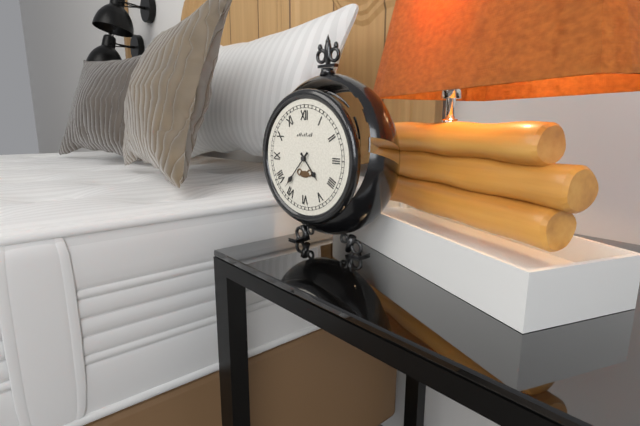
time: 4.37
